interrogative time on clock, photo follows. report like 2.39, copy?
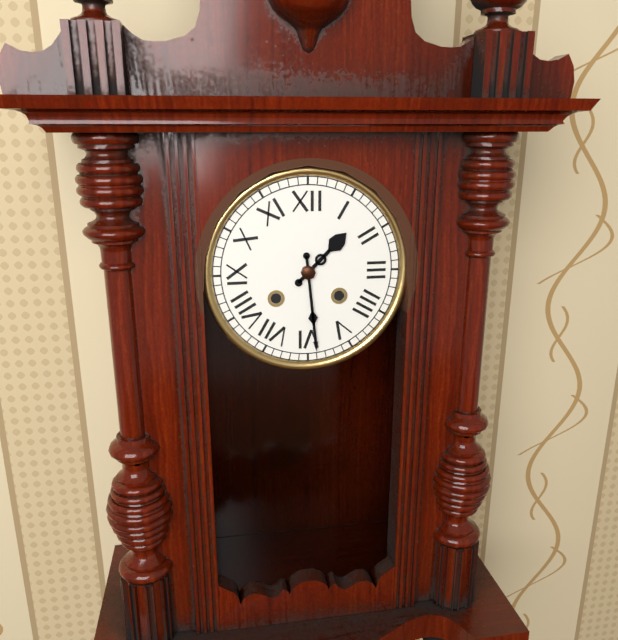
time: 1.29
